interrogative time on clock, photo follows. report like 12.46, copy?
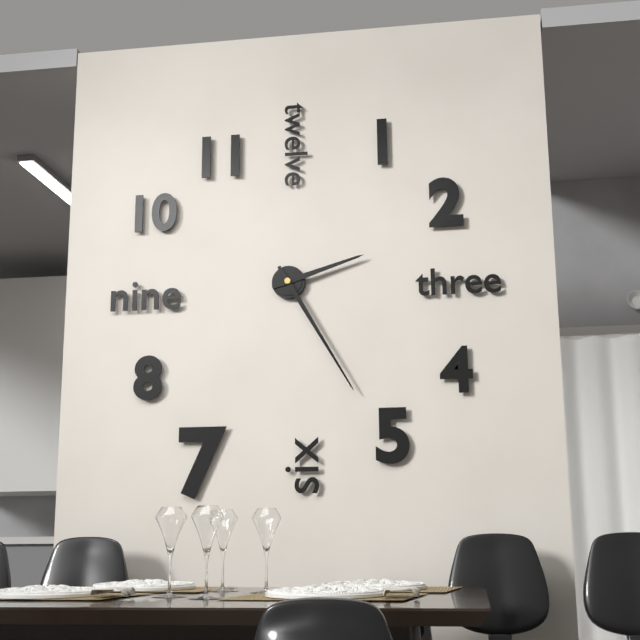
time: 2.25
